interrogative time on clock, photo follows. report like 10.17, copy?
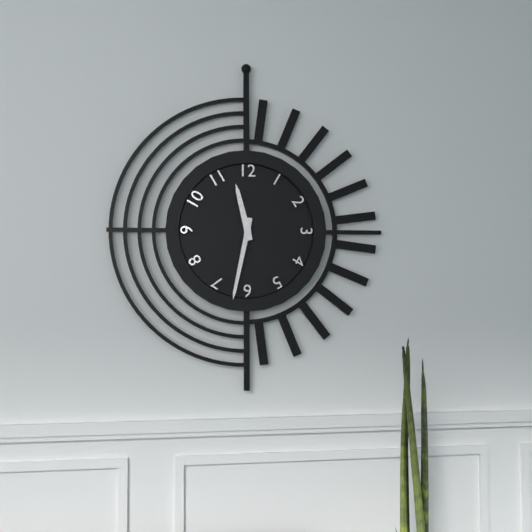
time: 11.32
